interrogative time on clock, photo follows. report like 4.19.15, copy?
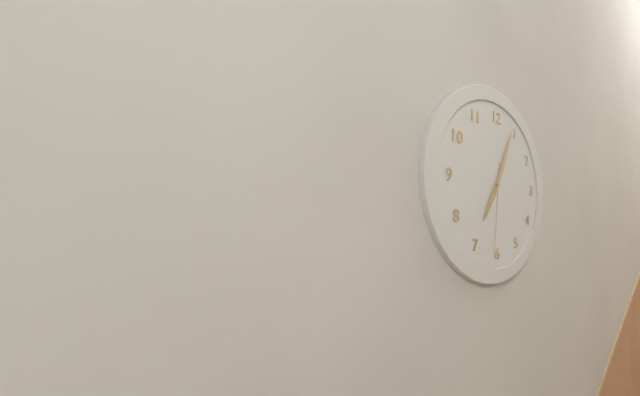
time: 7.04.31
